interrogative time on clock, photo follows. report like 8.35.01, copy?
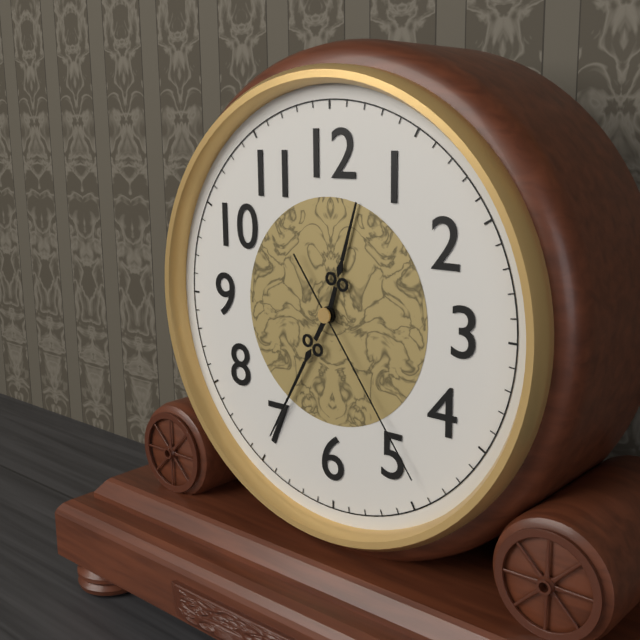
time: 12.35.24
